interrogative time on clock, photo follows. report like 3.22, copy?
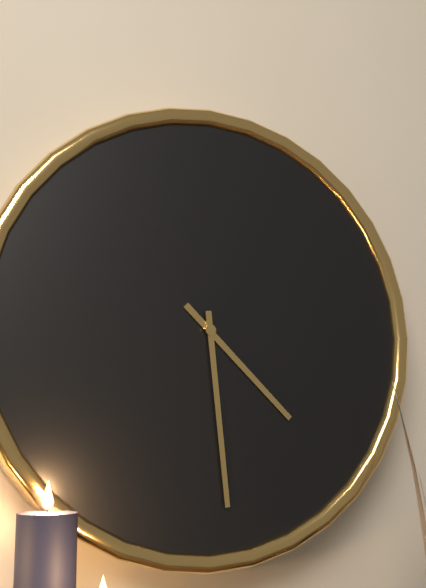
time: 4.29
